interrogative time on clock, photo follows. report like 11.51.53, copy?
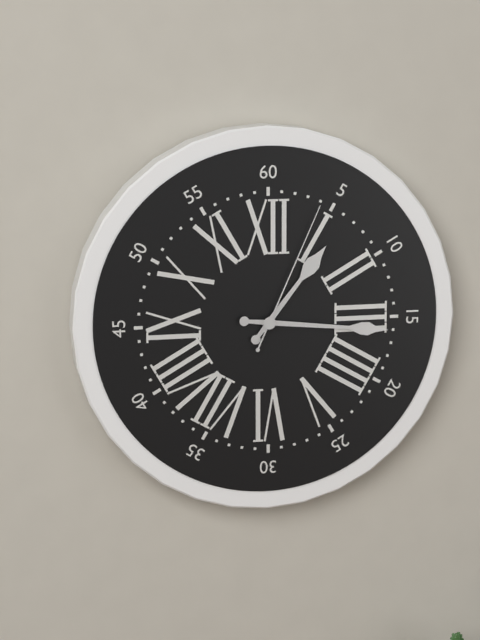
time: 1.16.04
